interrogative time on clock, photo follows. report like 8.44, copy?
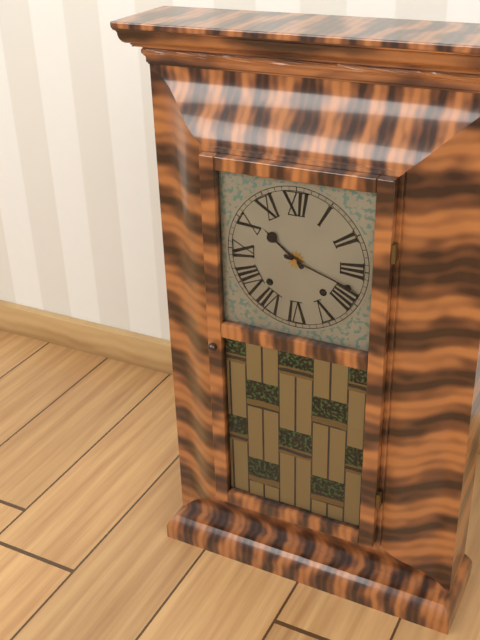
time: 10.18
